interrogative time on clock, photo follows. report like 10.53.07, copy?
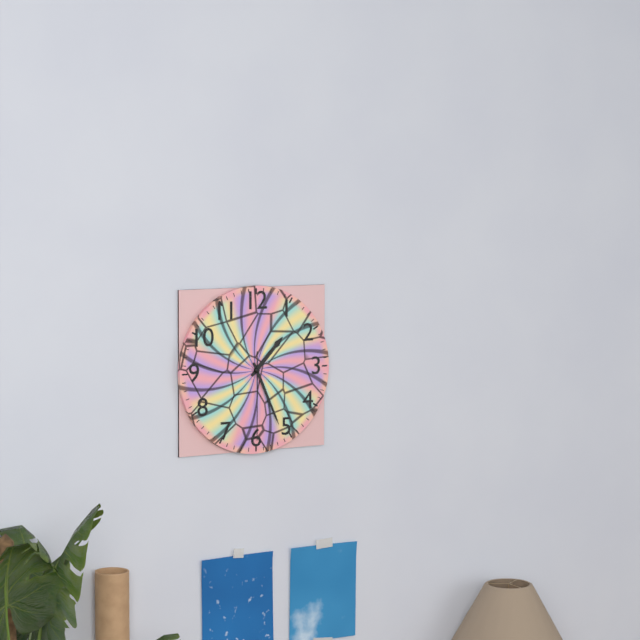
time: 1.26.30
